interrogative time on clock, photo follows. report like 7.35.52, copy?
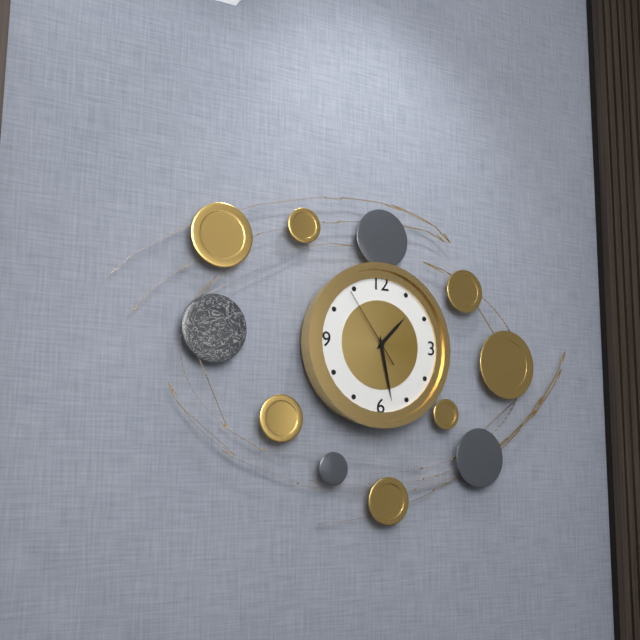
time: 1.28.54
